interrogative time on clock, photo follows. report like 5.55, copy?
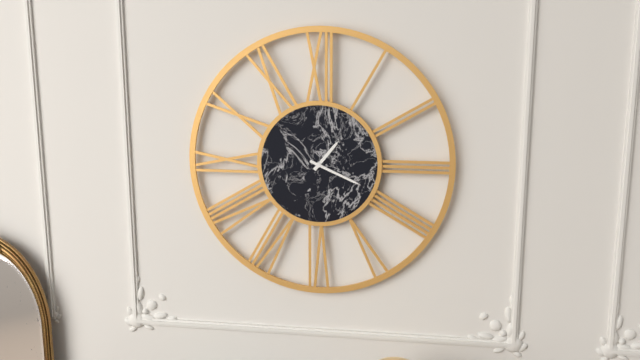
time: 1.19
